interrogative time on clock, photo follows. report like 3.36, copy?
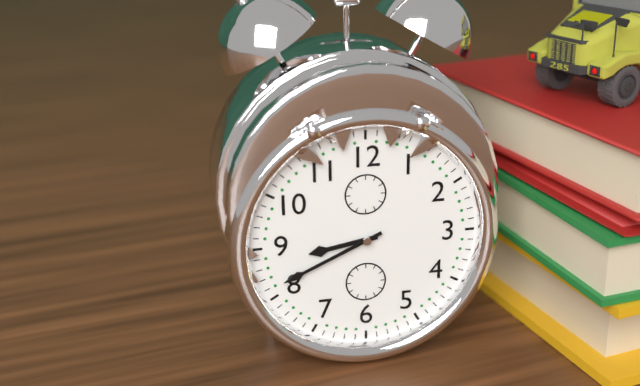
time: 8.41
